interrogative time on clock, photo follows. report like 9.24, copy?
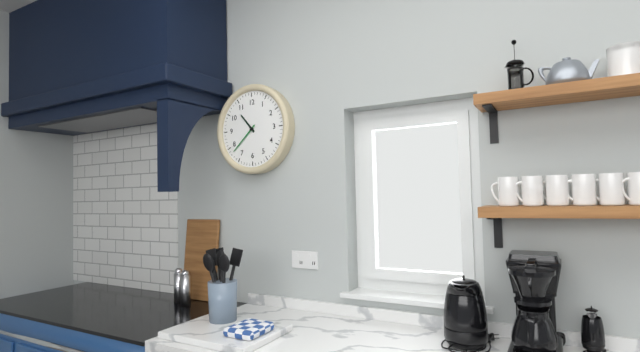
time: 10.38
